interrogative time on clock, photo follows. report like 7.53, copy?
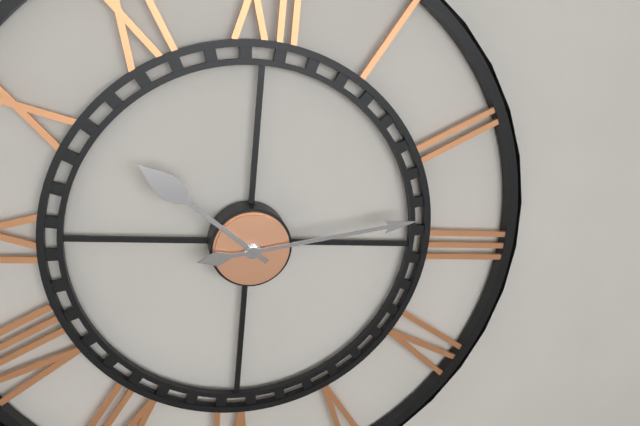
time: 10.13
